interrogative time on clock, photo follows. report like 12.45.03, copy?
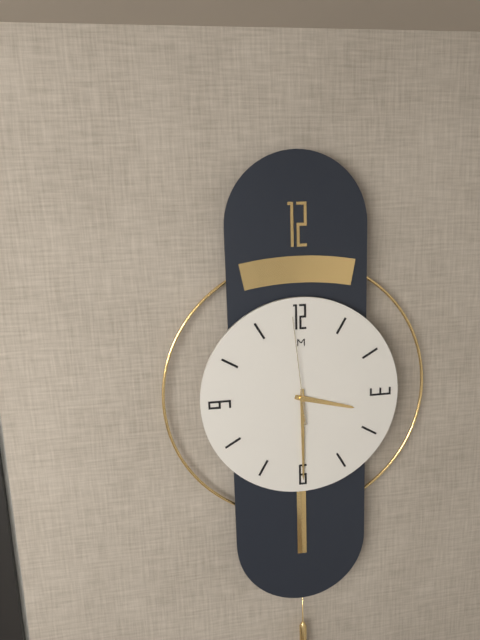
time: 3.30.59
